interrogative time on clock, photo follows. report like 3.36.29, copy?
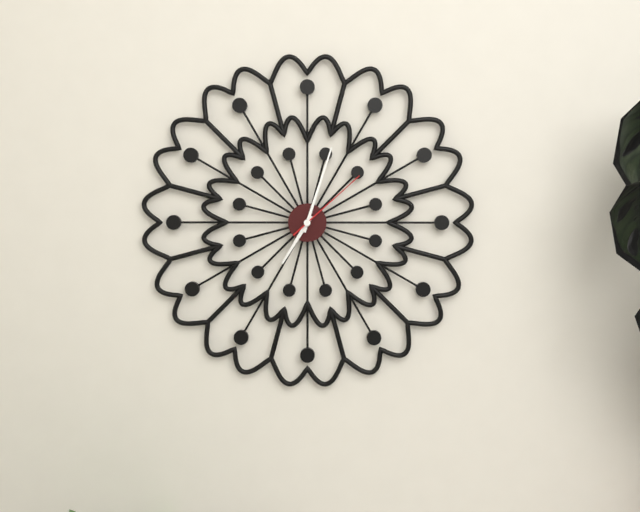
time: 7.03.08
